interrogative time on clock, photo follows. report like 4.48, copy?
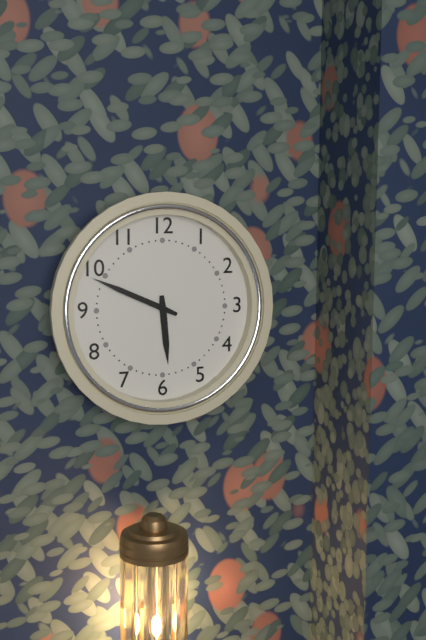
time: 5.49
